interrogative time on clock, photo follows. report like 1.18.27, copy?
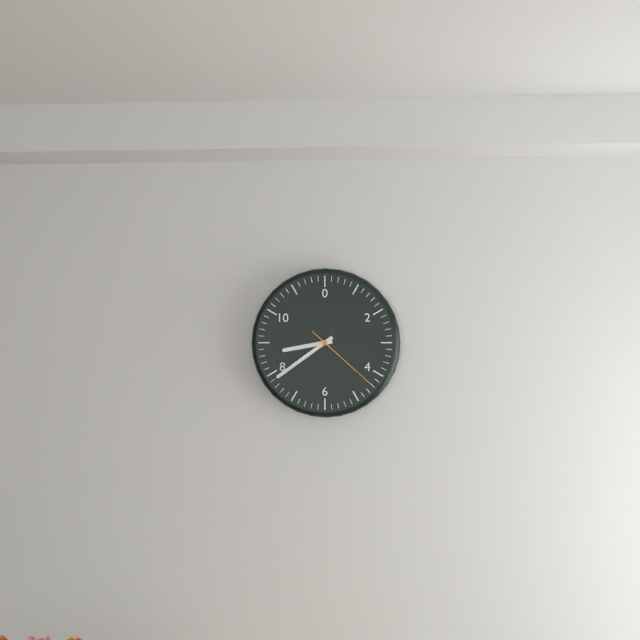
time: 8.39.22
